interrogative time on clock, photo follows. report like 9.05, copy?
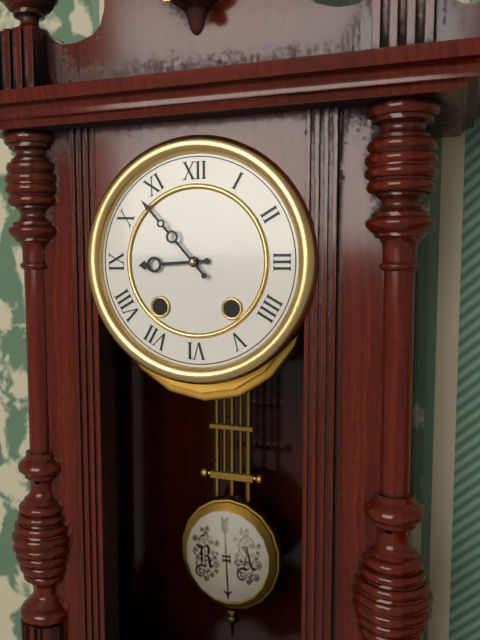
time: 8.53
